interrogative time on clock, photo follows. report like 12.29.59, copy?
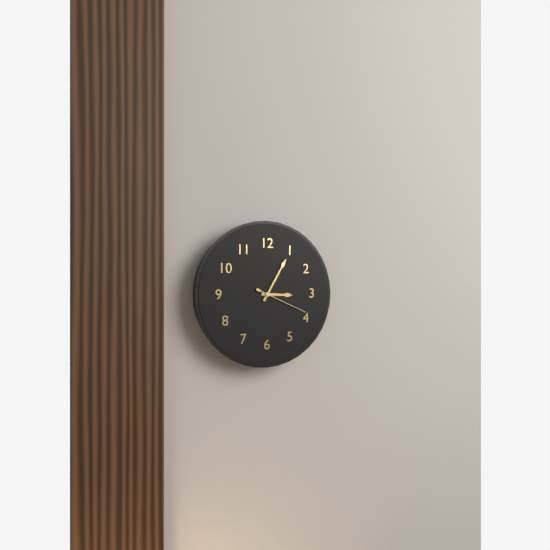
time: 3.05.19
